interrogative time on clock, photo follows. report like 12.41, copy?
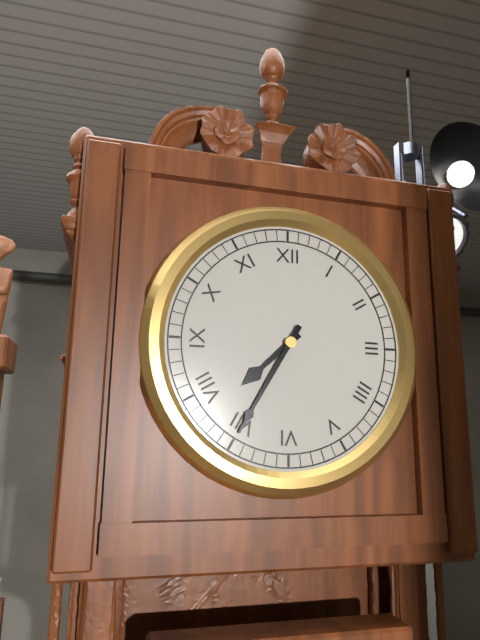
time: 7.35
